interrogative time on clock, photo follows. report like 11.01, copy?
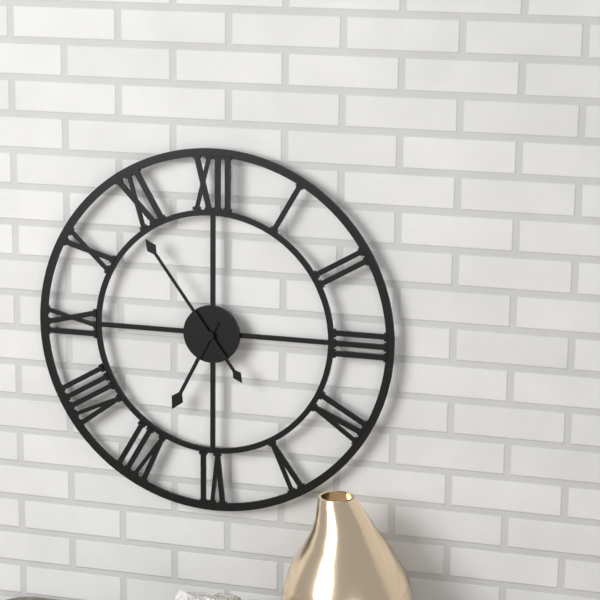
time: 6.54
